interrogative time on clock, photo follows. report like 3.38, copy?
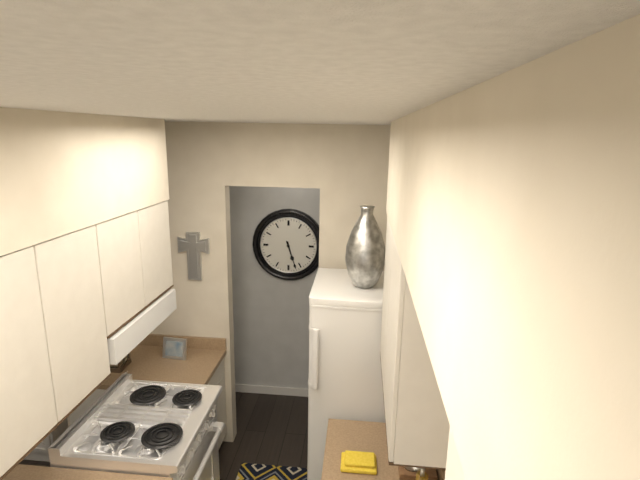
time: 5.27
